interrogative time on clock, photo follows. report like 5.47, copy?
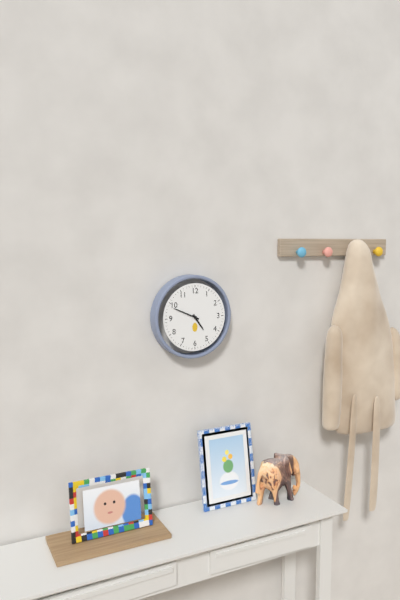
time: 4.49
